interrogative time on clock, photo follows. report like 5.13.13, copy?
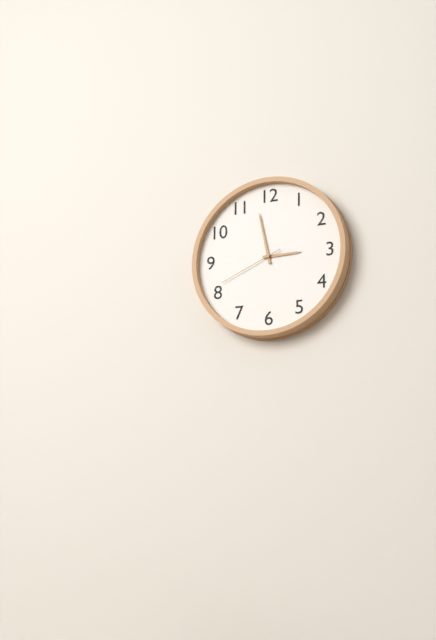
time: 2.58.41
